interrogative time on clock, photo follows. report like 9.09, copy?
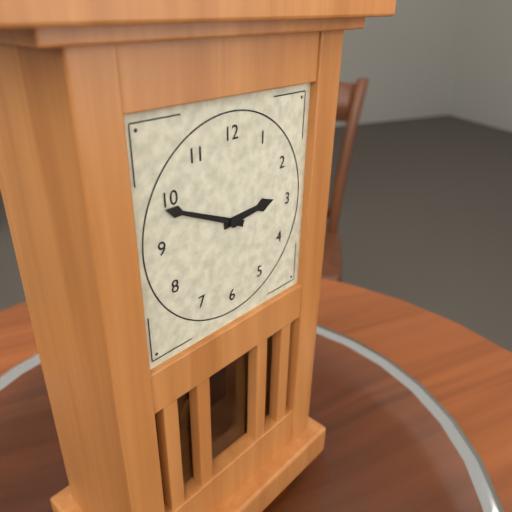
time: 2.49
